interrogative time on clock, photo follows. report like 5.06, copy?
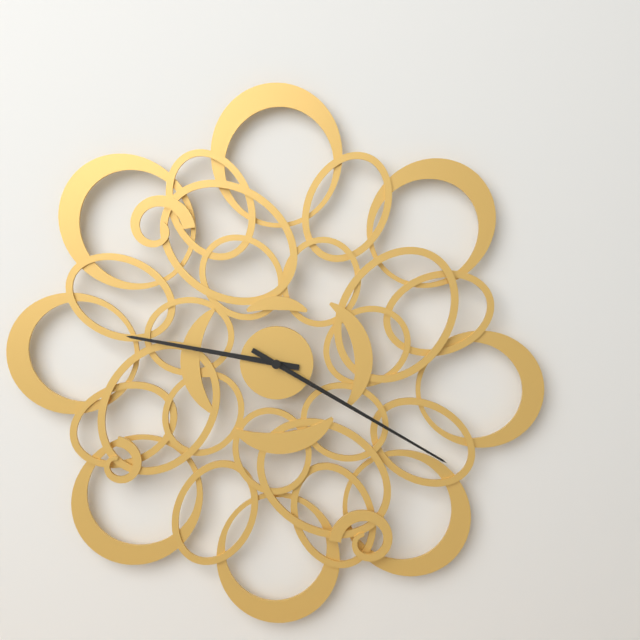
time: 9.20
